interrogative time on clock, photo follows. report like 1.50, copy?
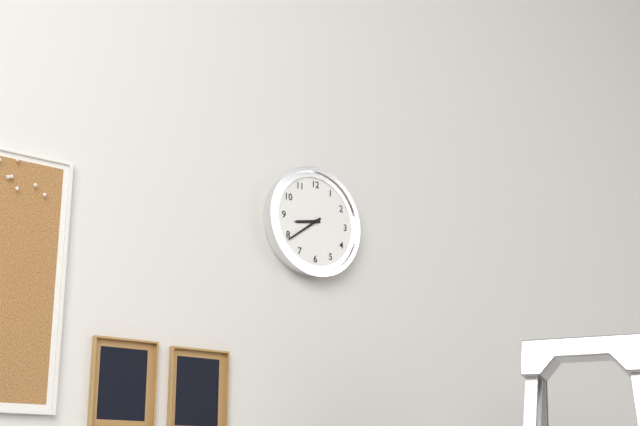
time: 8.39
